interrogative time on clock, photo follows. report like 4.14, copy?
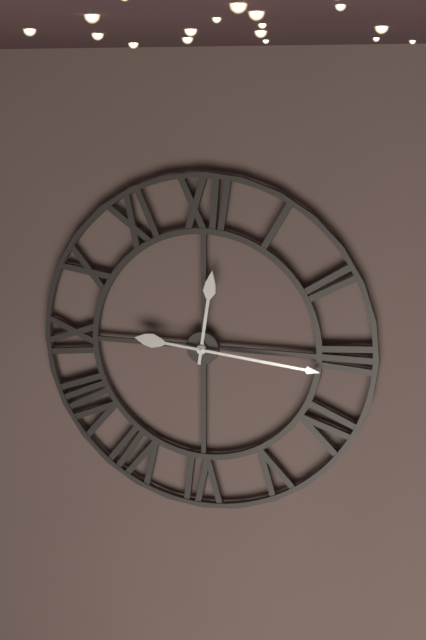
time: 12.16
